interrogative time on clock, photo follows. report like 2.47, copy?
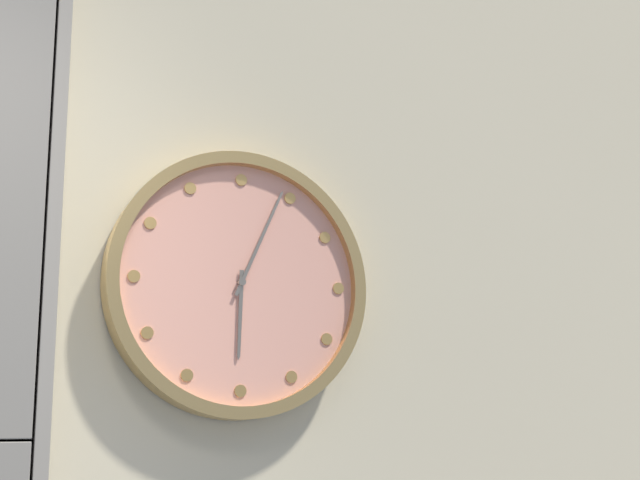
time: 6.04
